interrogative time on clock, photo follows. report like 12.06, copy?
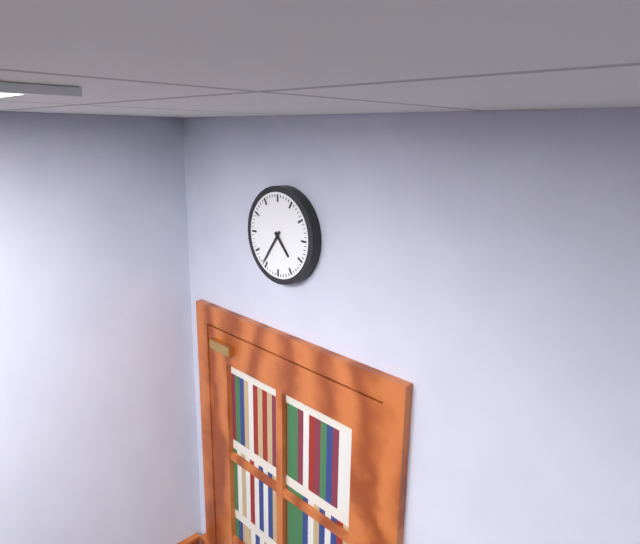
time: 4.36
